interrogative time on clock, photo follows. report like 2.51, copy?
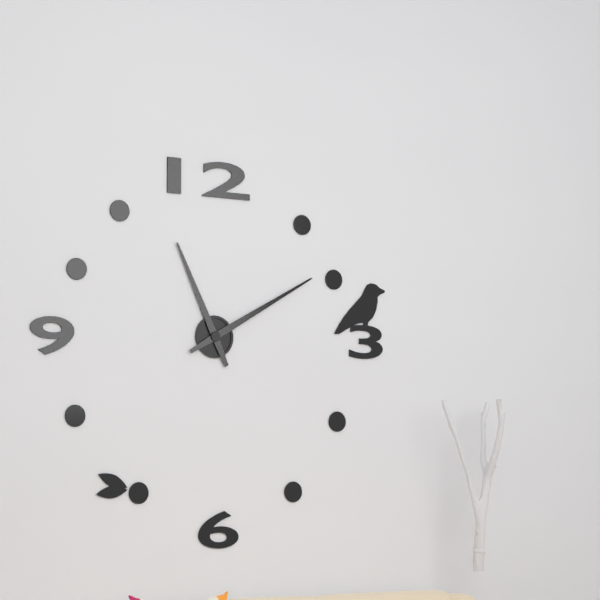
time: 11.10
